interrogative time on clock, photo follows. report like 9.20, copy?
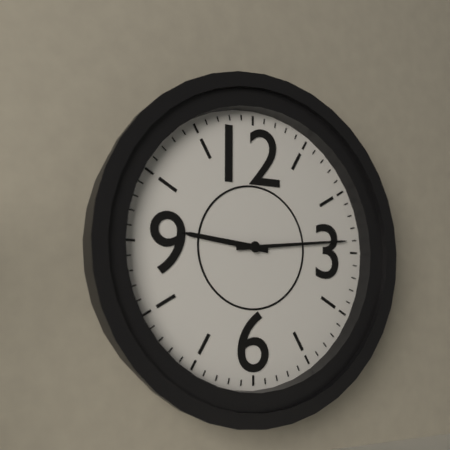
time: 9.14
